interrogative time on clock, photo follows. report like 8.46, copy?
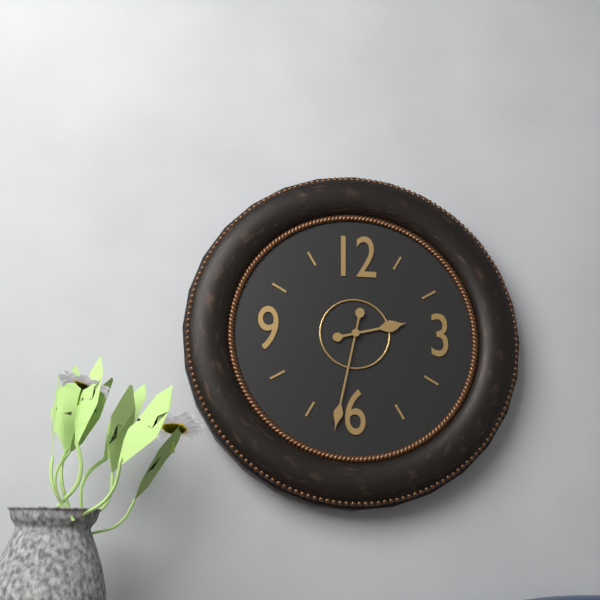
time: 2.32
